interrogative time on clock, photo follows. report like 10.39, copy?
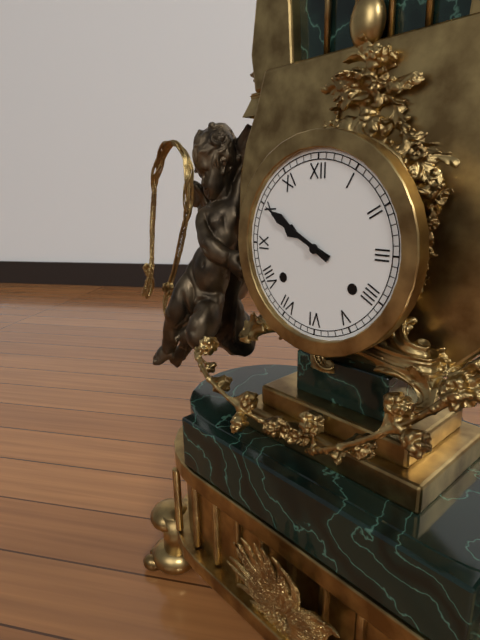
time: 9.50
